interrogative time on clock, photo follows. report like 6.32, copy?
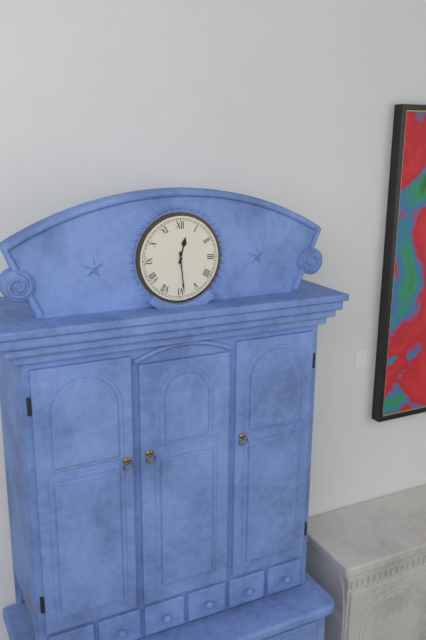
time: 12.29
